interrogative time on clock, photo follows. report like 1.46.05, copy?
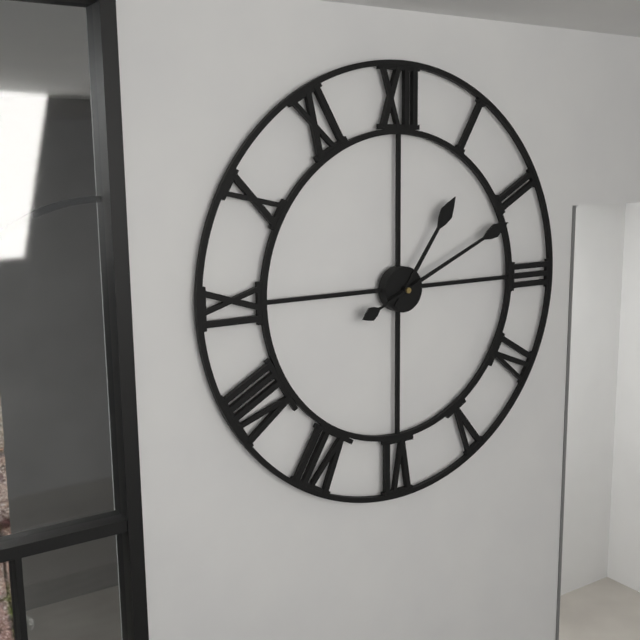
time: 1.11.41
